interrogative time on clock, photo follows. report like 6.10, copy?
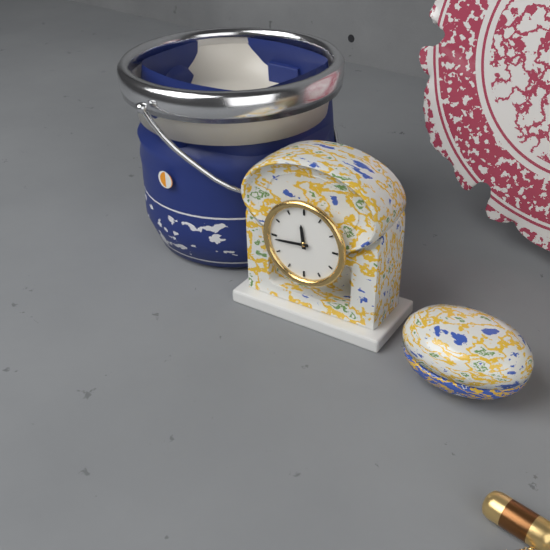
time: 11.44
